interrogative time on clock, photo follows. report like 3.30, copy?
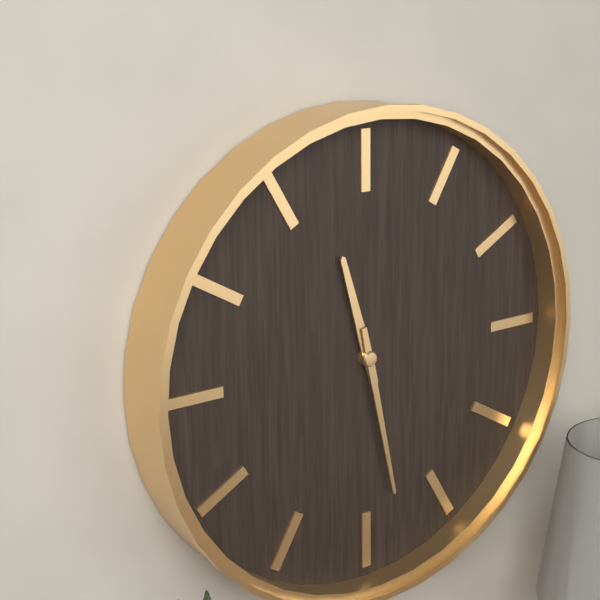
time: 11.28
